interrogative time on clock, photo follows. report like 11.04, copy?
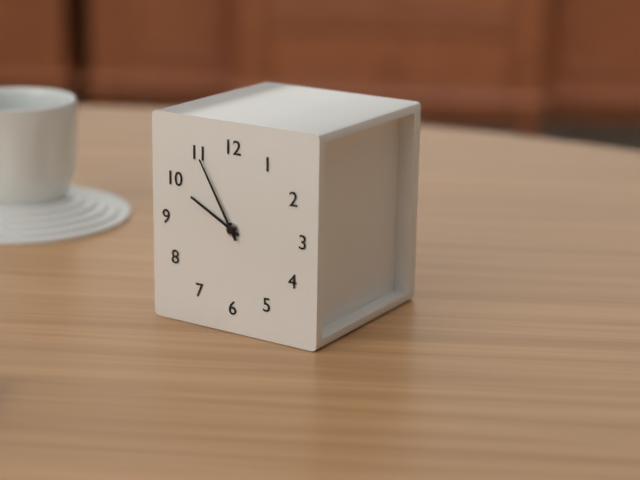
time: 9.55
